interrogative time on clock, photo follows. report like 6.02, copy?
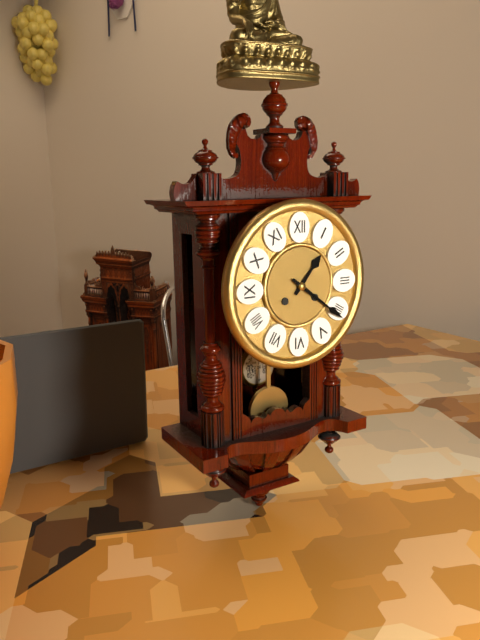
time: 1.21
